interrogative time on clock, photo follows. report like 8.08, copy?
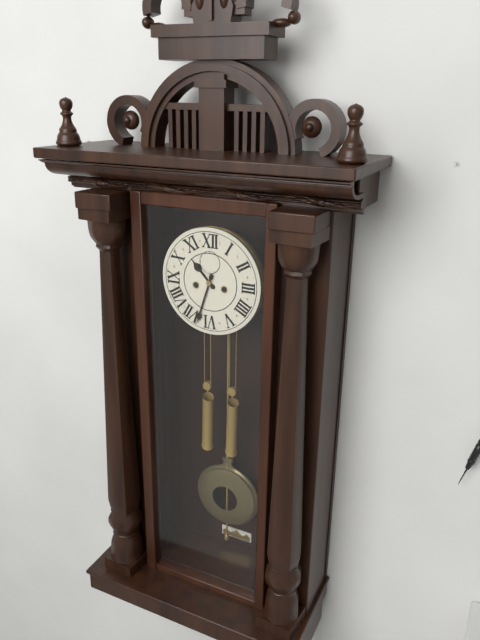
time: 10.33
